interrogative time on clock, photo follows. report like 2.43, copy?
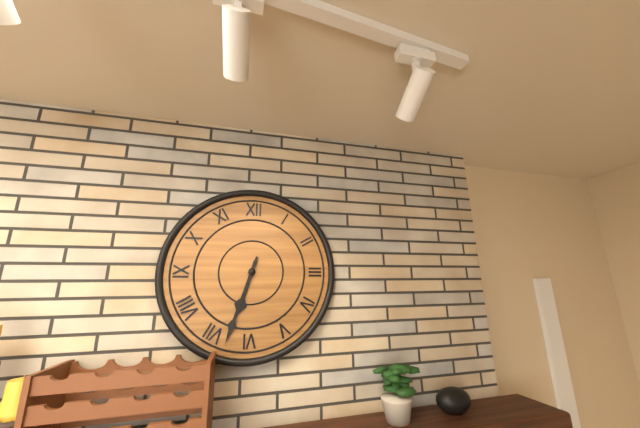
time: 6.33
